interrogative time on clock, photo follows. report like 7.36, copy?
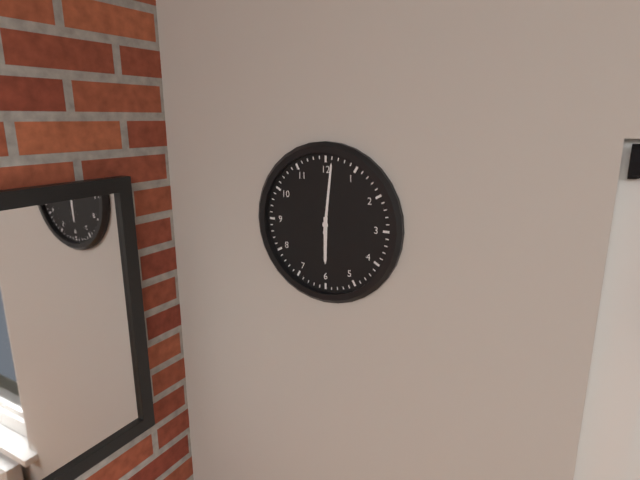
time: 6.01
